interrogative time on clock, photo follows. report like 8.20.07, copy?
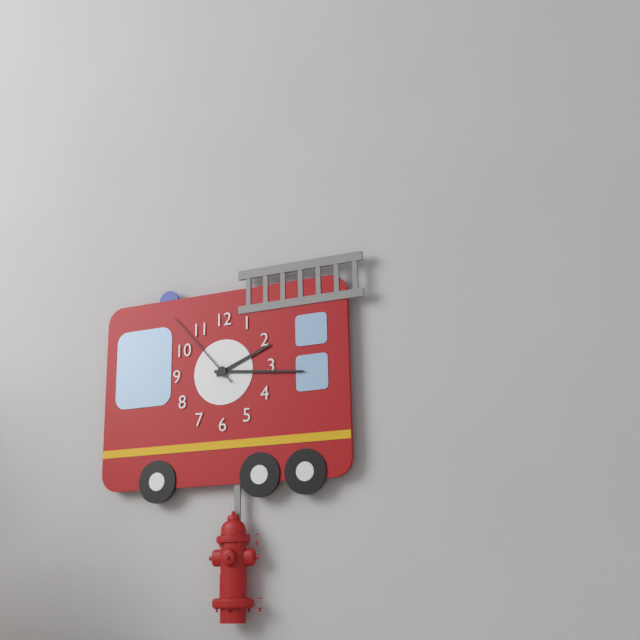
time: 2.16.53
